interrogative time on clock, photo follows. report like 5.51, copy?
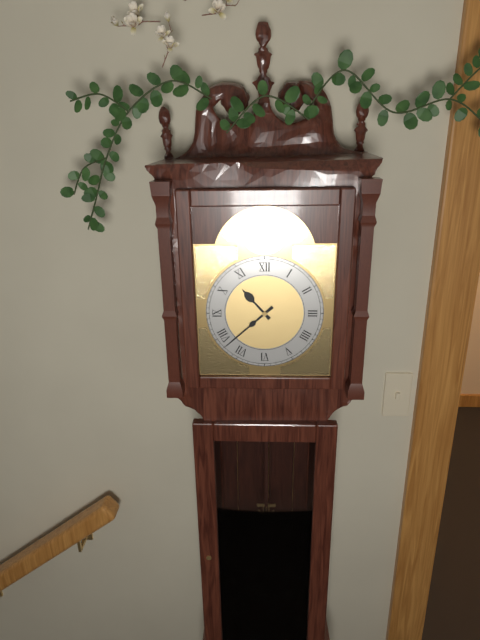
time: 10.38
